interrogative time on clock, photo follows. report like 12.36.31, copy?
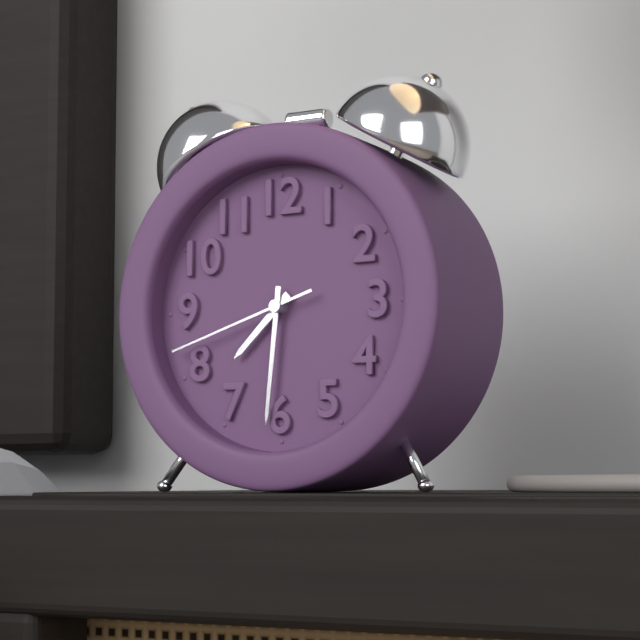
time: 7.31.42
